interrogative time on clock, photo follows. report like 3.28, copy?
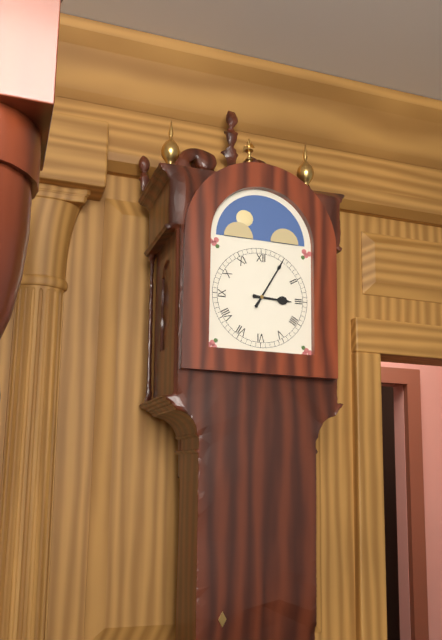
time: 3.05
